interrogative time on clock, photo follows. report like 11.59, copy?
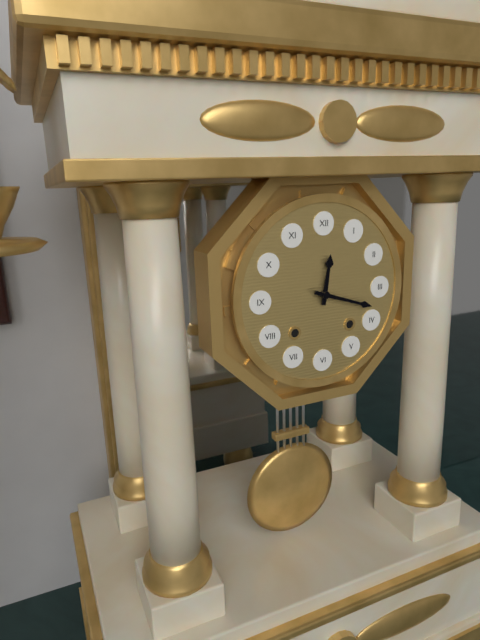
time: 12.18
